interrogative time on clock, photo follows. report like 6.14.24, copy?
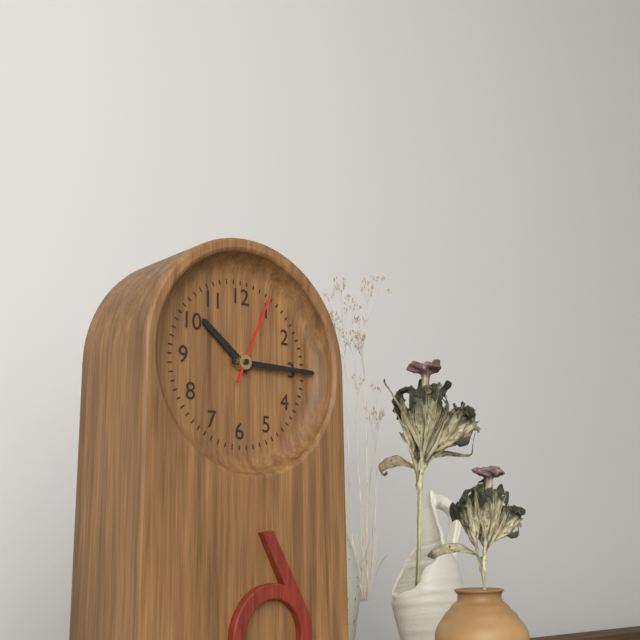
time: 10.15.04
